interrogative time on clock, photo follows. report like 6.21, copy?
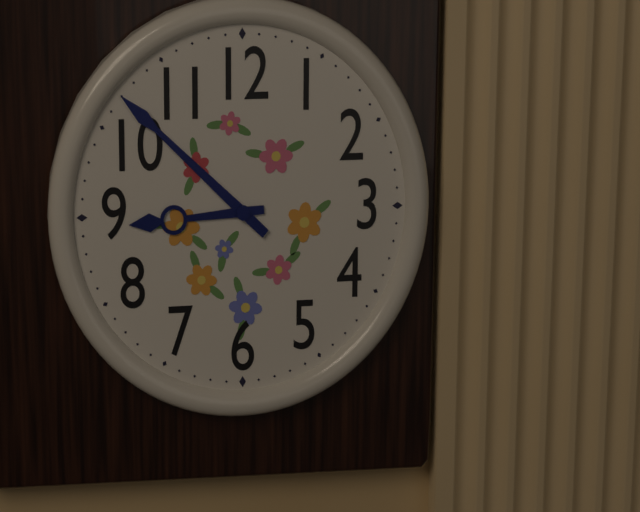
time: 8.52
